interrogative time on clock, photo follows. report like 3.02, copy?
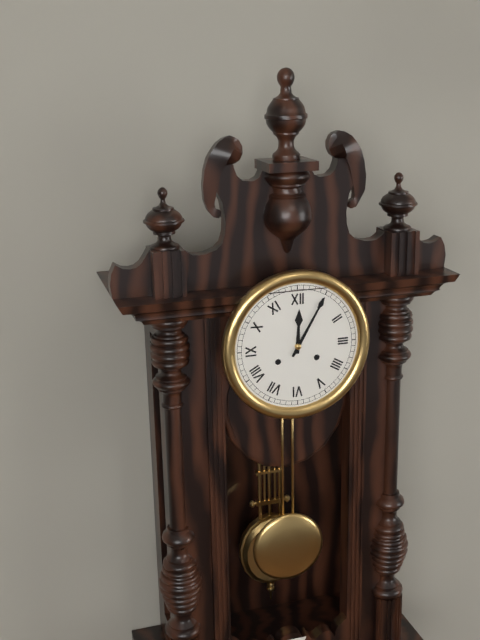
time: 12.05
